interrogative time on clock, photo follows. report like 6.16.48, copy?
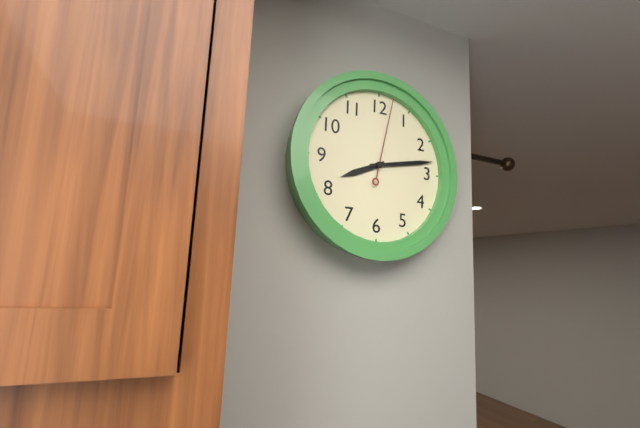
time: 8.13.02
